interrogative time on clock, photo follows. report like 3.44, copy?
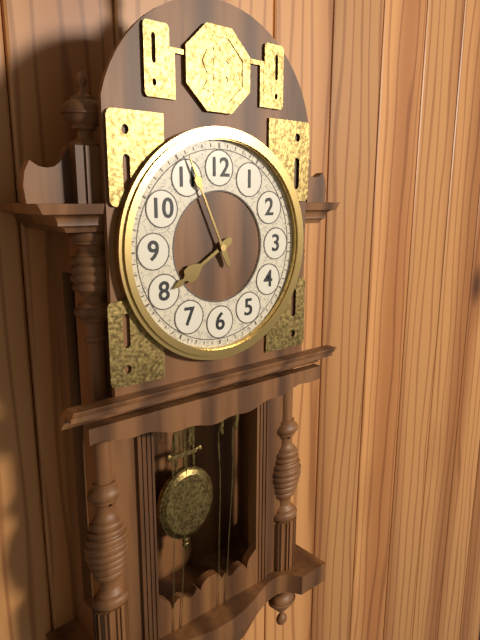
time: 7.56
